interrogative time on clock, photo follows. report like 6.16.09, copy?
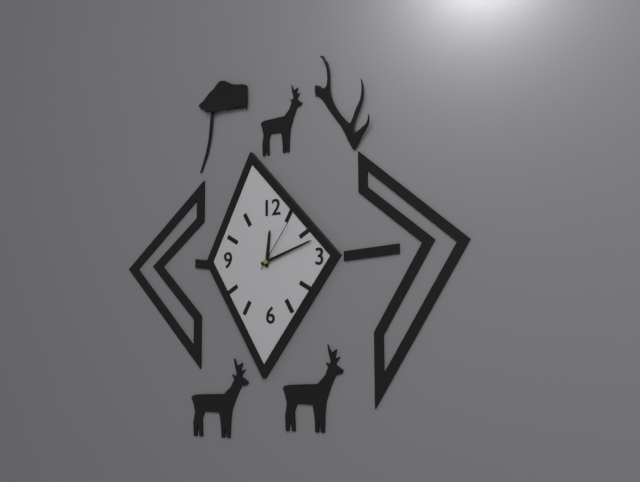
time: 12.12.06
